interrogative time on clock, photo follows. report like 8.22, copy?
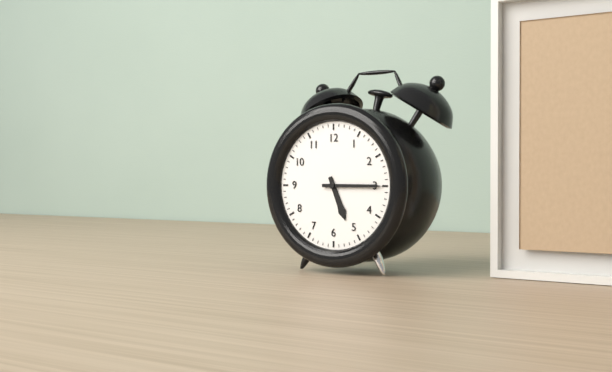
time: 5.15
